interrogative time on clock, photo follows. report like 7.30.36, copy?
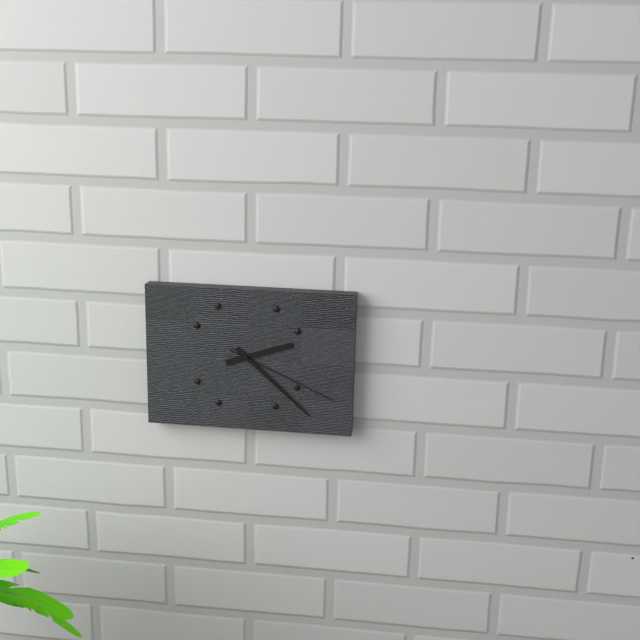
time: 2.22.19
